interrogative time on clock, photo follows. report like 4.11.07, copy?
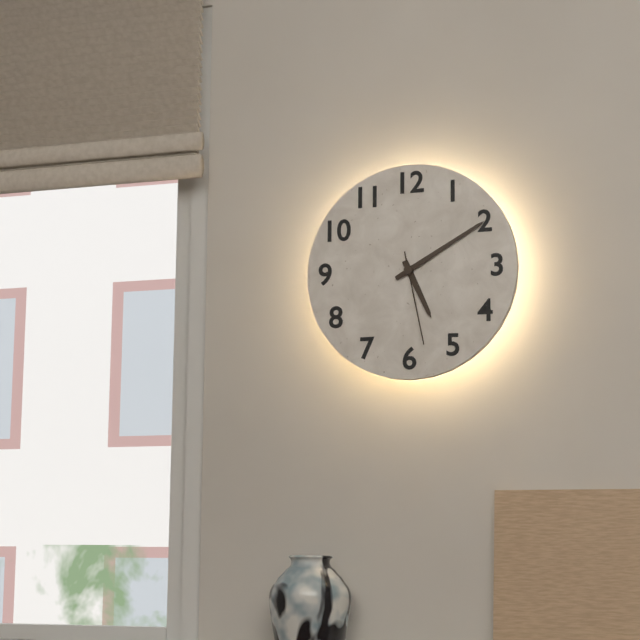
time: 5.10.28
